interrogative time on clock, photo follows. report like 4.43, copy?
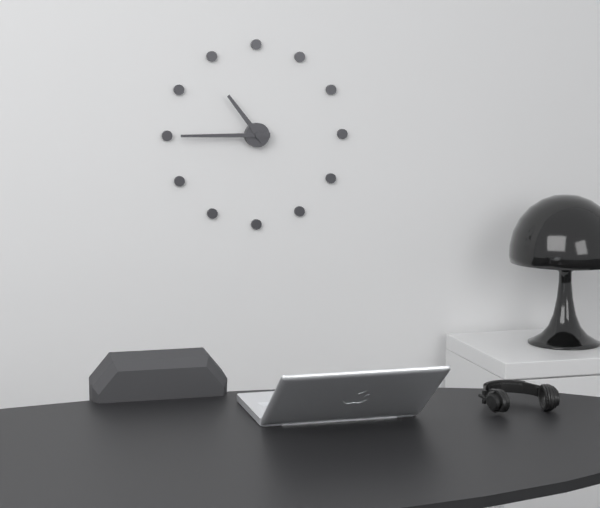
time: 10.45
